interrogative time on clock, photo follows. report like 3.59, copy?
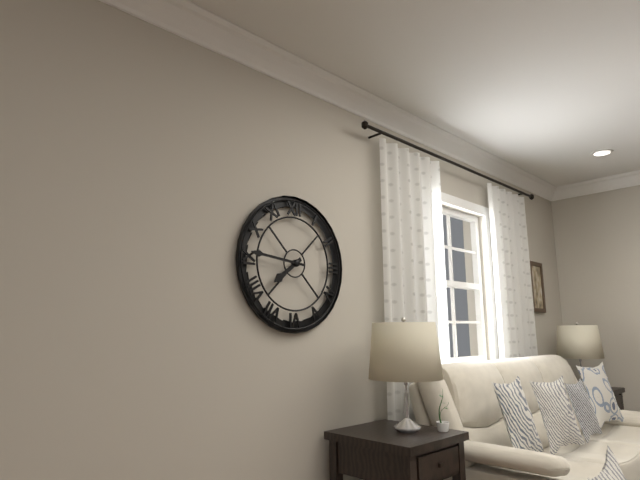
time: 7.46
